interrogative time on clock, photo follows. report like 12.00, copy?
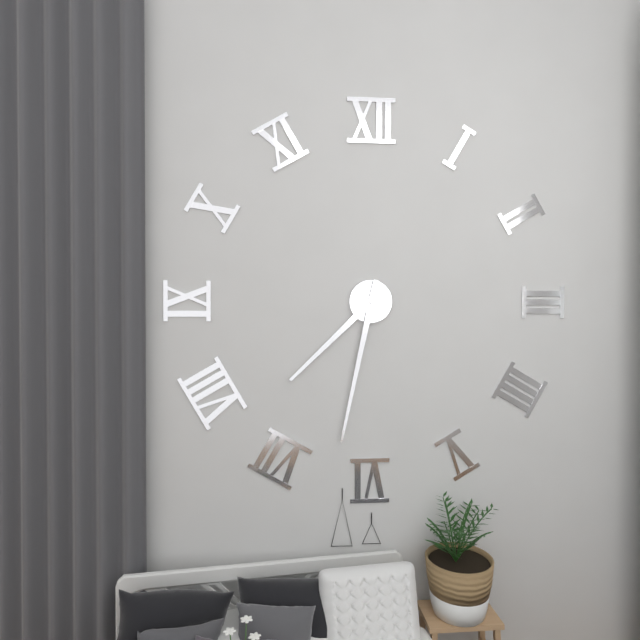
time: 7.32
